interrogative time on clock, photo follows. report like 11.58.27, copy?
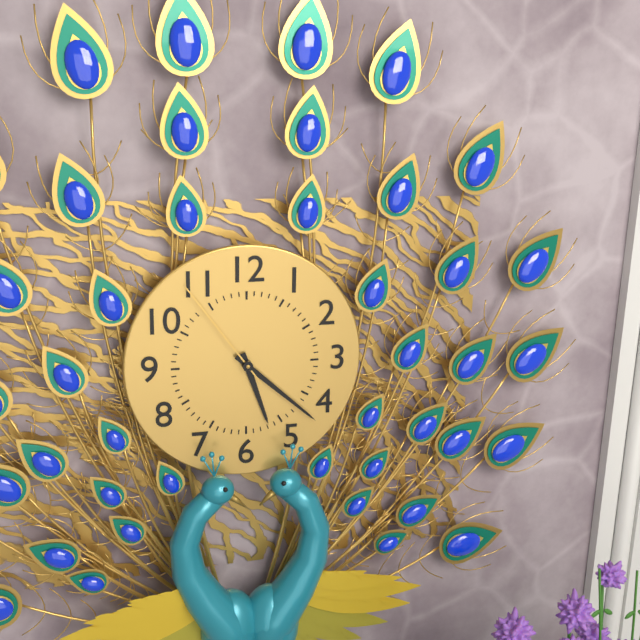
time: 5.22.54
